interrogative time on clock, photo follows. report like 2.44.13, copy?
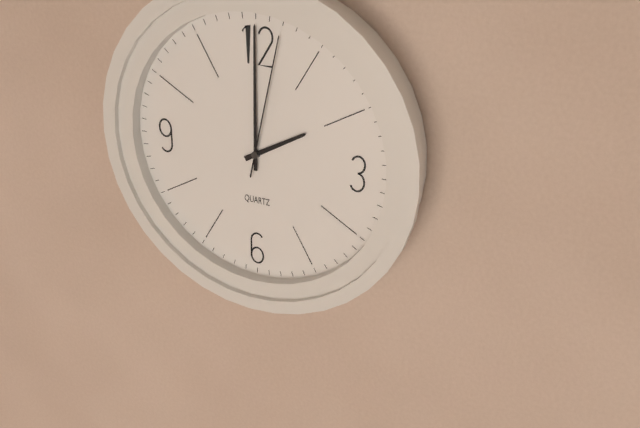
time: 2.00.02
